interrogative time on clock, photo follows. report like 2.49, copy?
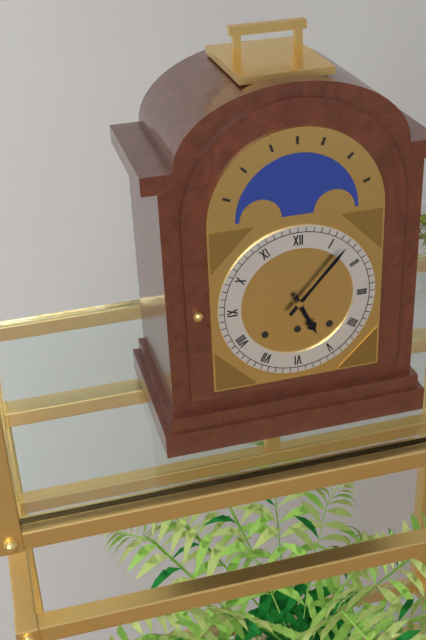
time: 5.07
